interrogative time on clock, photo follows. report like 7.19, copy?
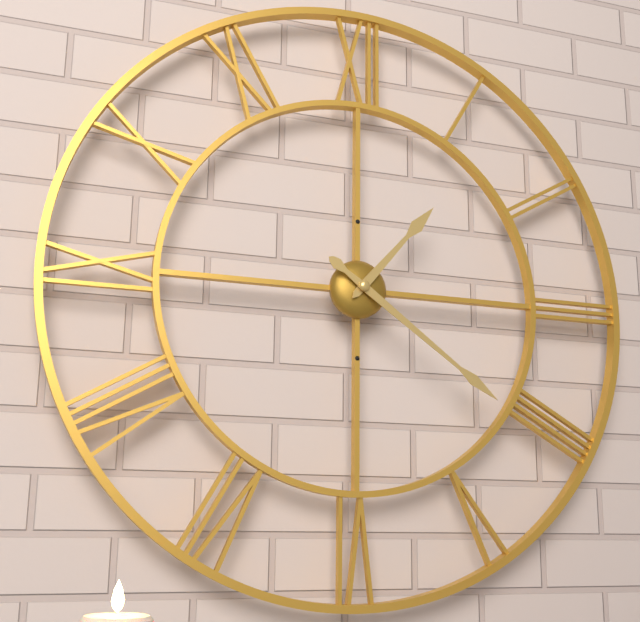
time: 1.21
